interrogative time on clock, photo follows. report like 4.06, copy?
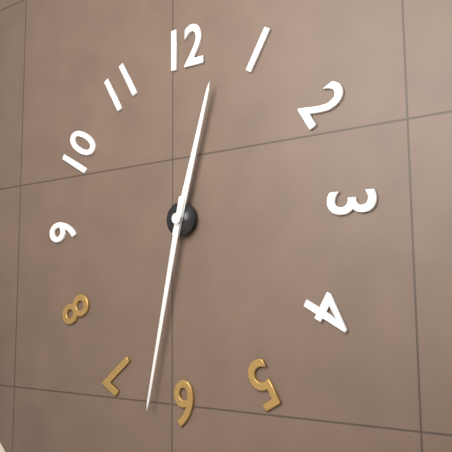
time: 12.32
